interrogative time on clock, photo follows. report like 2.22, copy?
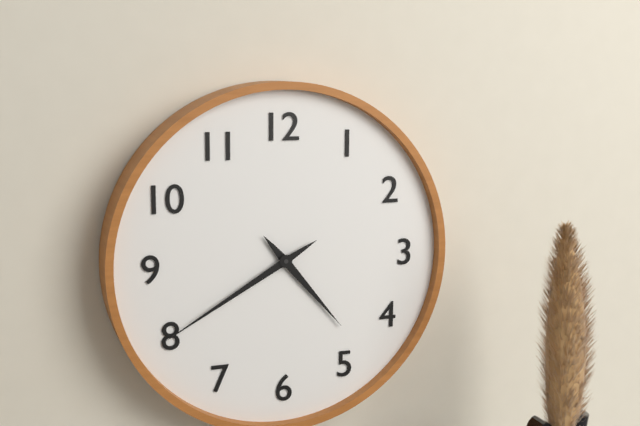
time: 4.40
